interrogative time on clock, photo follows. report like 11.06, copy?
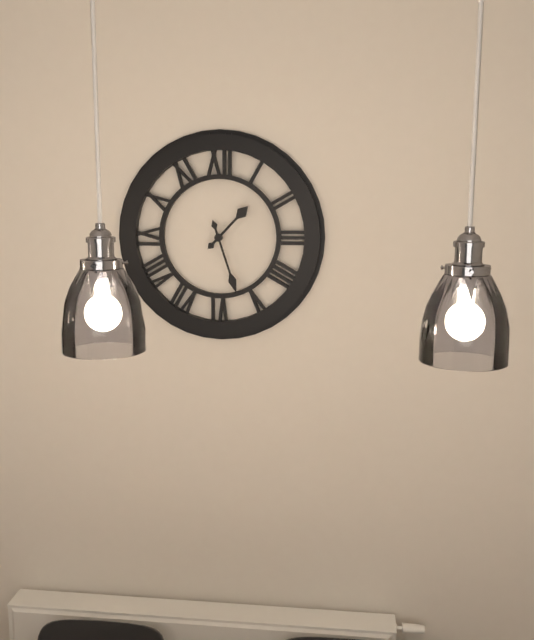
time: 1.27
